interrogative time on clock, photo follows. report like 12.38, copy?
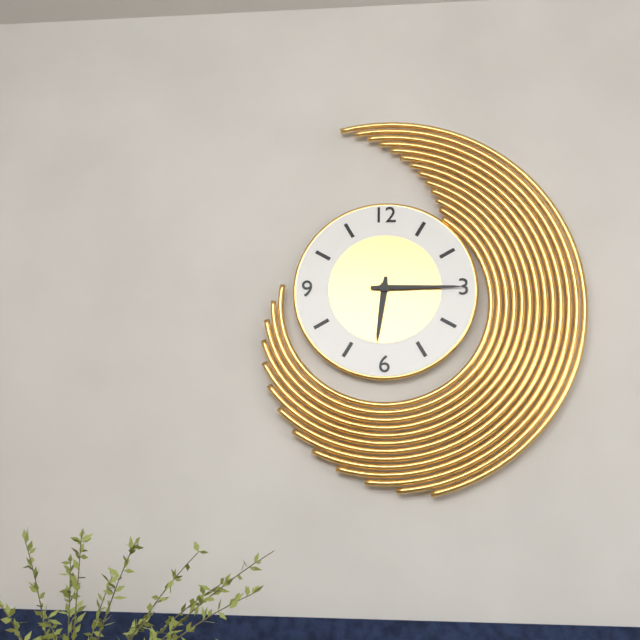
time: 6.15
